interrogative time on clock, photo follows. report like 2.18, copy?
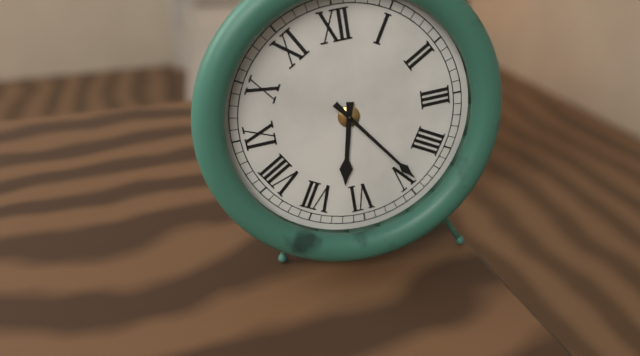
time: 6.24
